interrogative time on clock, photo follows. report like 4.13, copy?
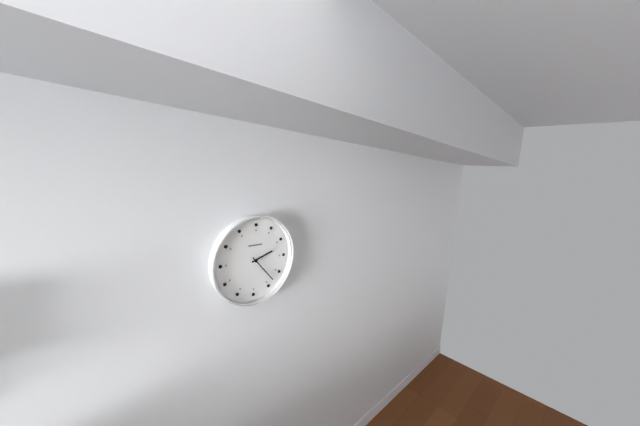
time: 2.23
